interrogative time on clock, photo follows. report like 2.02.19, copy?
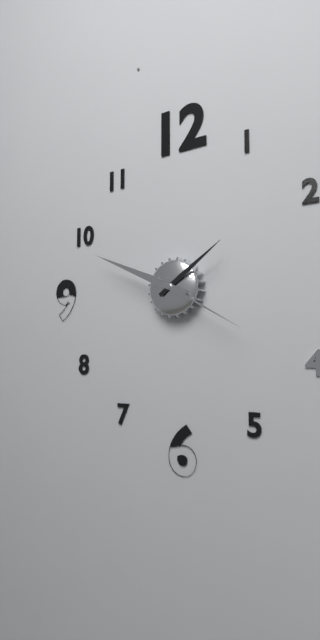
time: 1.49.20
